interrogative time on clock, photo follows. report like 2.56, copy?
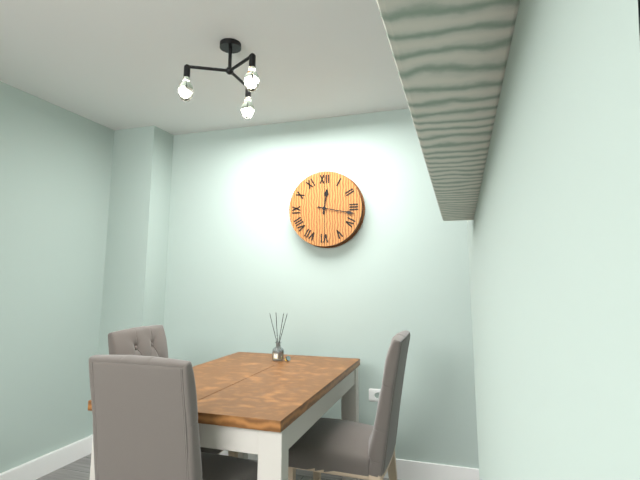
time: 12.17
